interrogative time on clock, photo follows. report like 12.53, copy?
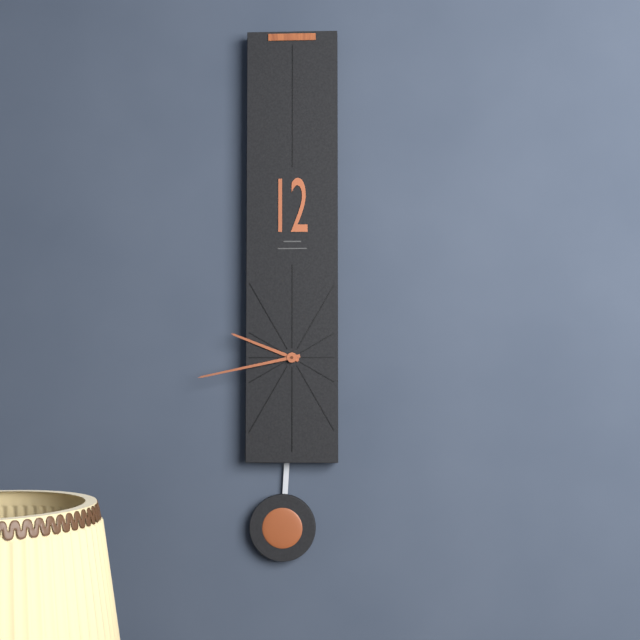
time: 9.43
